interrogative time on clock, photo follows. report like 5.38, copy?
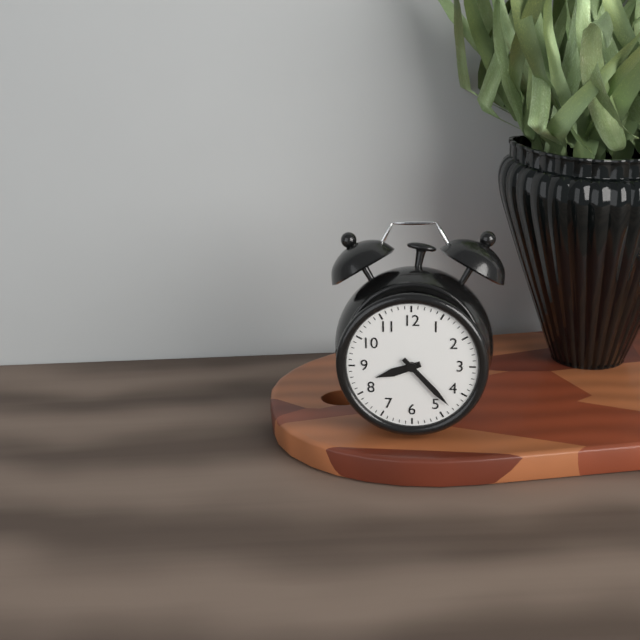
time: 8.23
